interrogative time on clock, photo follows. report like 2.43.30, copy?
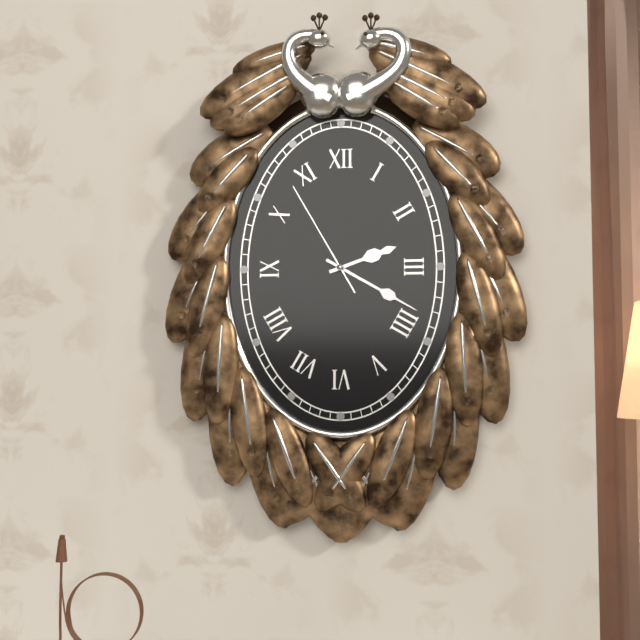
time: 2.20.55
